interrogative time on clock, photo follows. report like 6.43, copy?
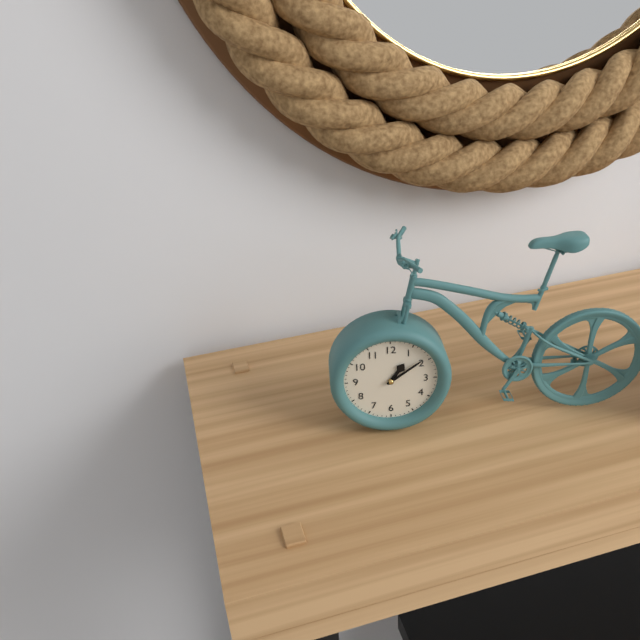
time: 1.09
